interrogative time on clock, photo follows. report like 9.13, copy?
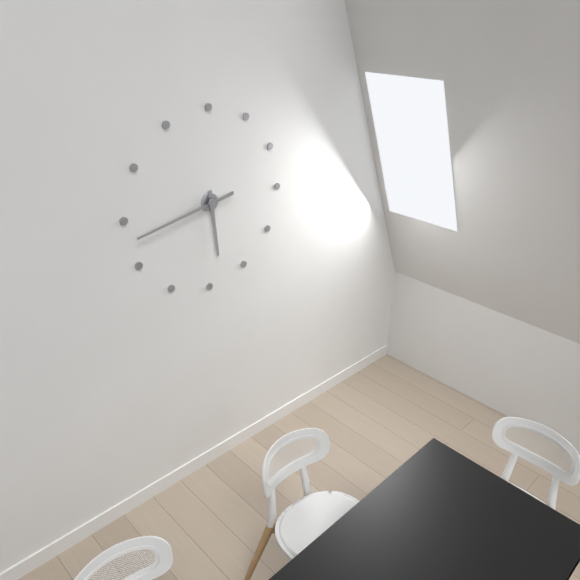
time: 5.43
